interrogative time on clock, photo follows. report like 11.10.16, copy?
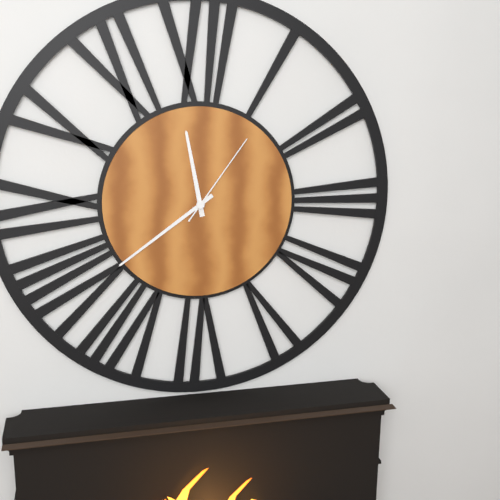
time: 11.39.06
